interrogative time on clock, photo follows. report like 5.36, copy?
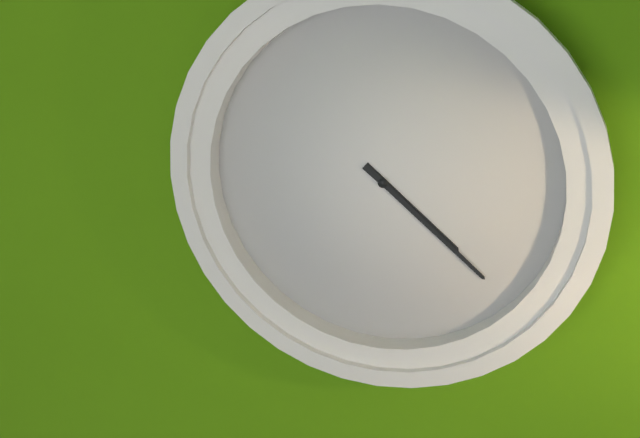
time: 4.22
